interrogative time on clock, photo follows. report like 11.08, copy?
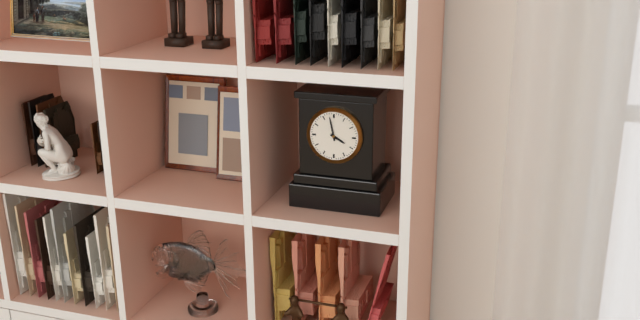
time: 3.58
